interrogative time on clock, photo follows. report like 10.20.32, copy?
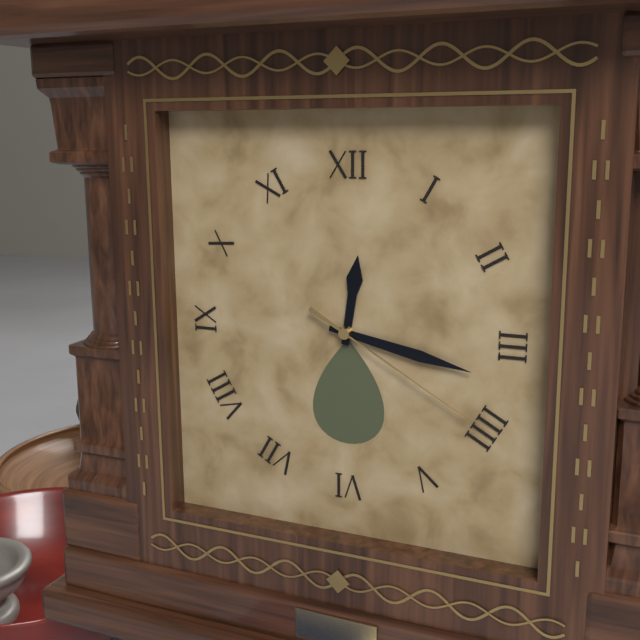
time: 12.17.20
